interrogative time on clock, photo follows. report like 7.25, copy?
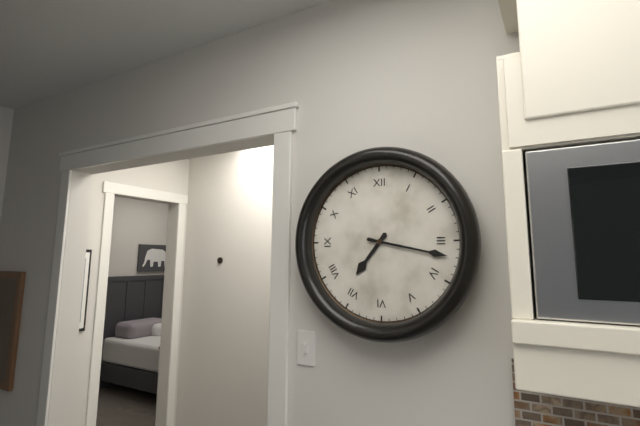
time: 7.17
